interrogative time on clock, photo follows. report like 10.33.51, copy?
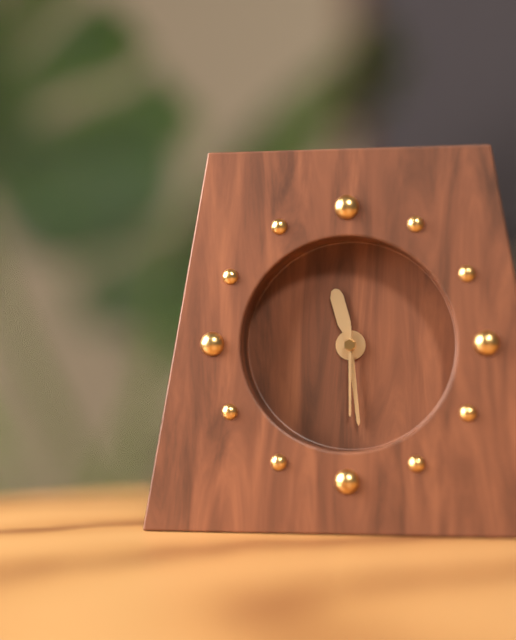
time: 11.29.30
